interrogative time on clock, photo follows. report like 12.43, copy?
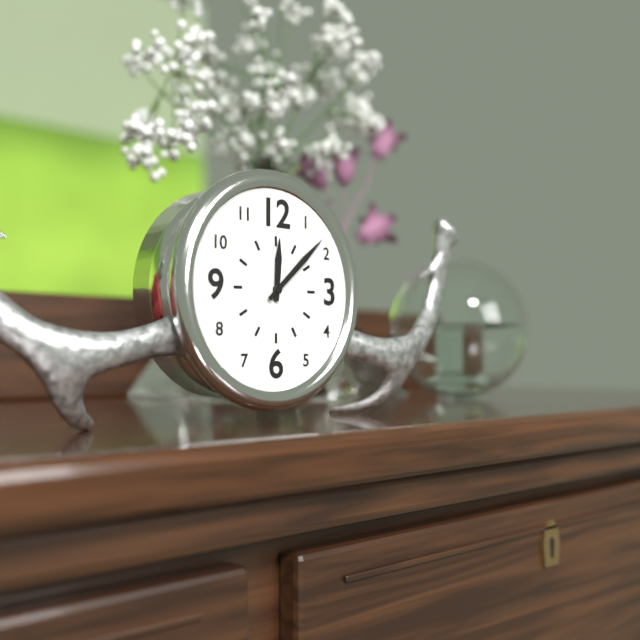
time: 12.08
